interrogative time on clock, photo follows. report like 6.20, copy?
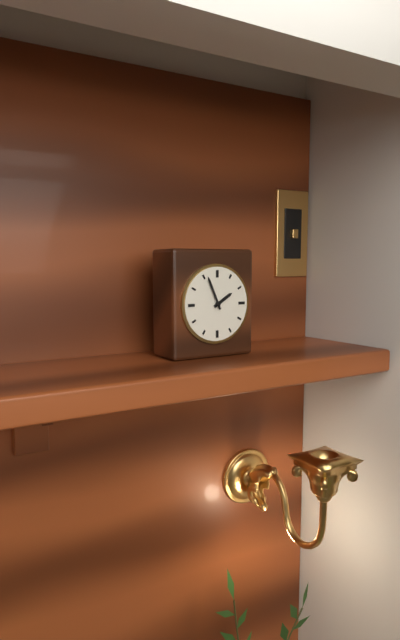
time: 1.56
